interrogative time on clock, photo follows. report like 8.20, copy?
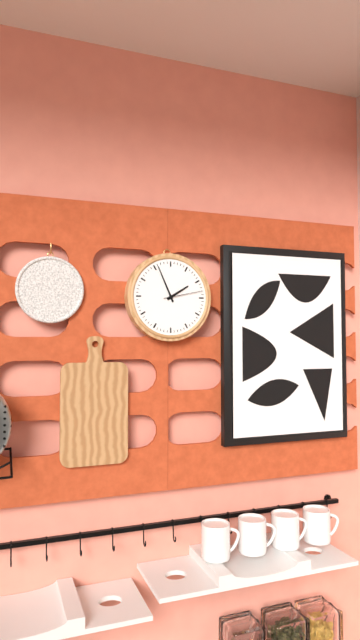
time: 1.56
